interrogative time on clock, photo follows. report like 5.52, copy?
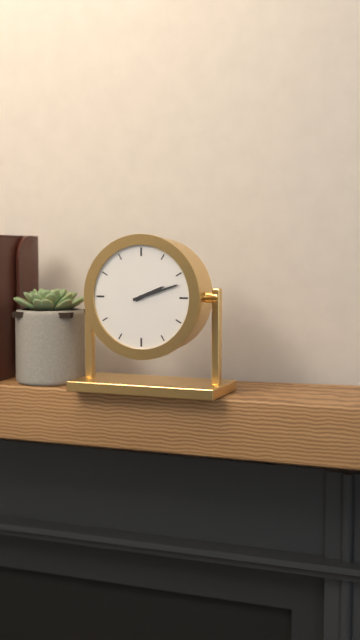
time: 2.12
